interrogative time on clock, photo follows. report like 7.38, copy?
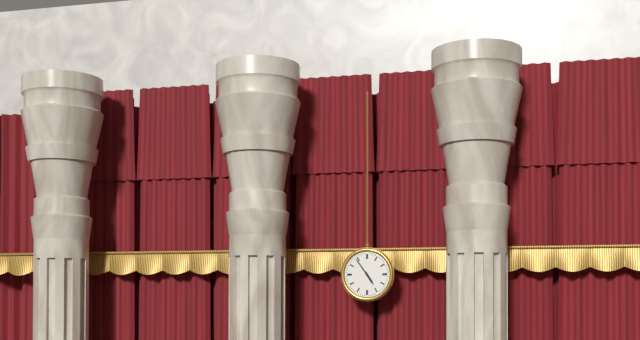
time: 4.54
